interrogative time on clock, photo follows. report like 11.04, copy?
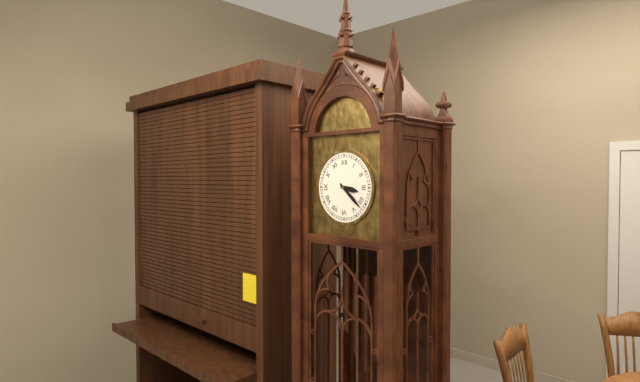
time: 3.22
